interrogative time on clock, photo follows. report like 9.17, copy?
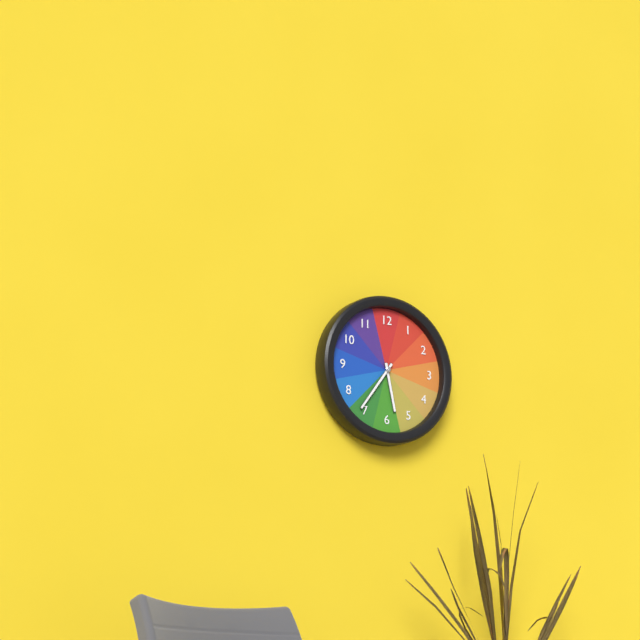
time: 5.36
